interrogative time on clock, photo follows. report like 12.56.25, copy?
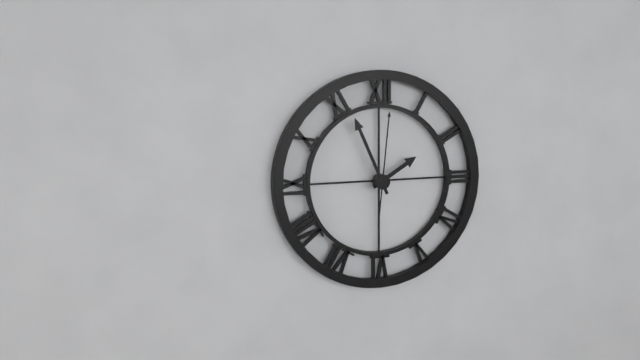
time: 1.56.01
